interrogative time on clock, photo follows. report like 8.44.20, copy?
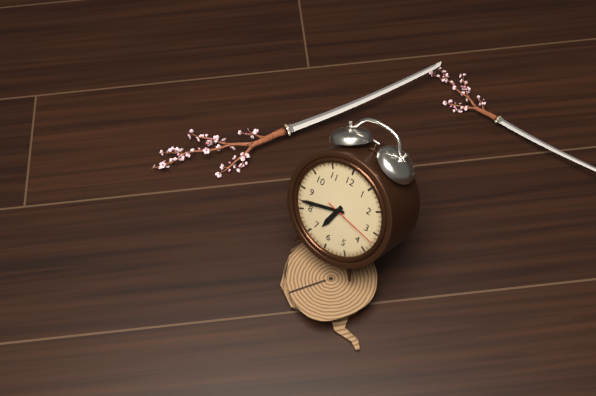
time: 6.42.17
